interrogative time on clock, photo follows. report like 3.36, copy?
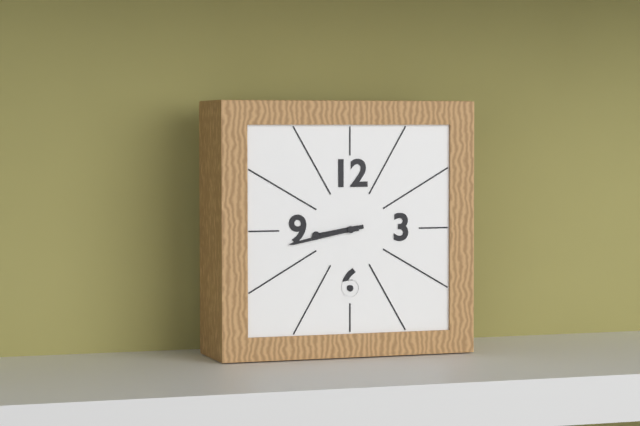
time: 8.43
